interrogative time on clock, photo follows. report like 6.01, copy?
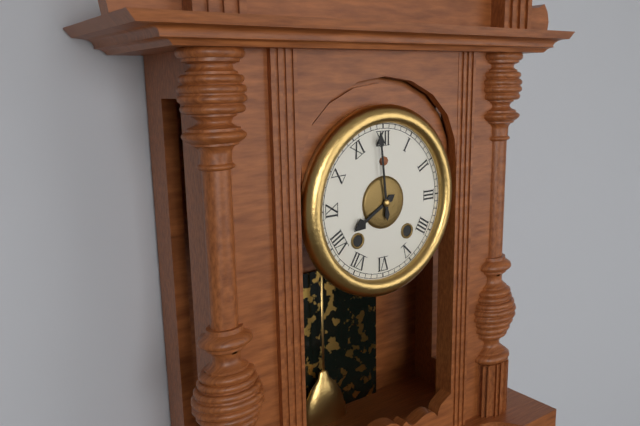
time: 7.59
